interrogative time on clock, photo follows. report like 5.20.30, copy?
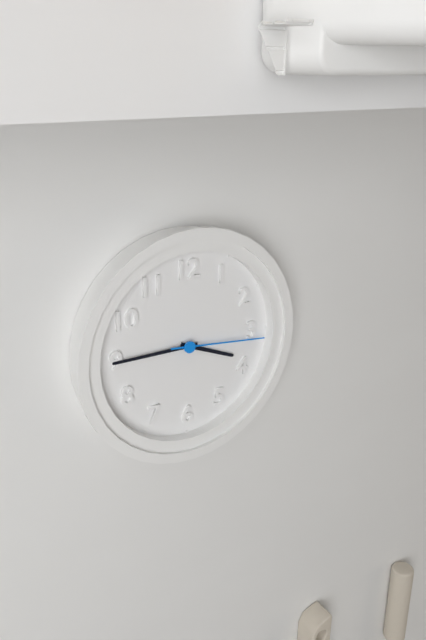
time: 3.45.16
